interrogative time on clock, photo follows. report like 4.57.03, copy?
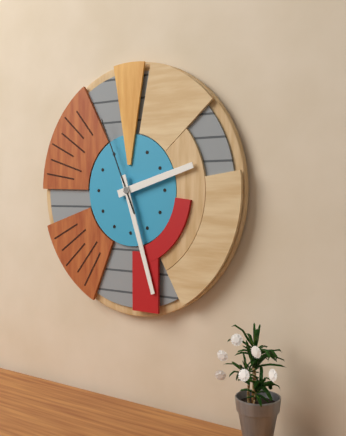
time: 2.27.56
